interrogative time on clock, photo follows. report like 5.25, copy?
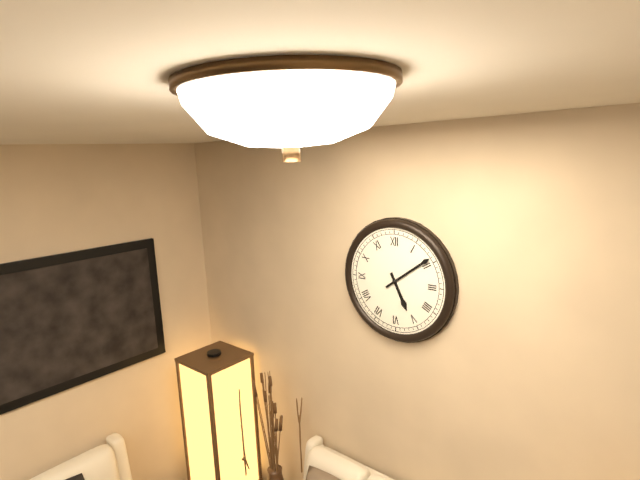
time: 5.09
